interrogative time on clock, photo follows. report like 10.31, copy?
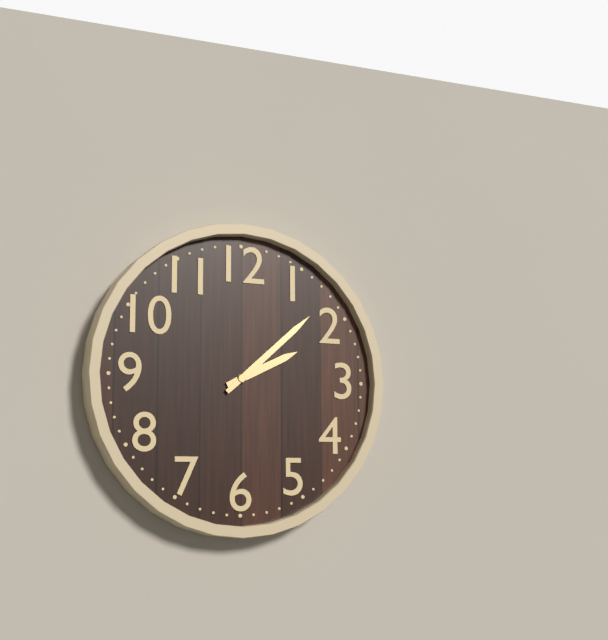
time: 2.08
